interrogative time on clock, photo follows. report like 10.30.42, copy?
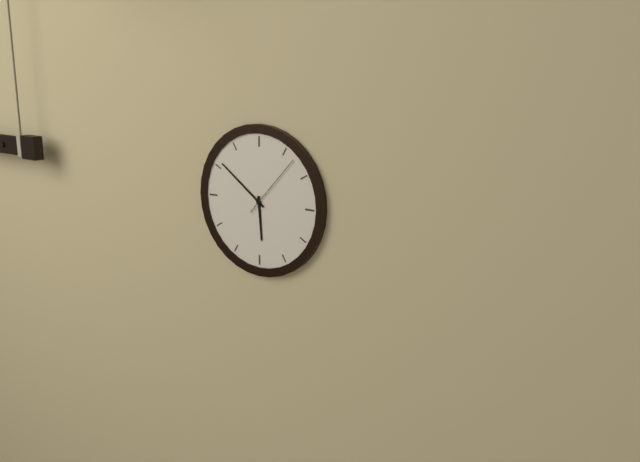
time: 5.51.07
